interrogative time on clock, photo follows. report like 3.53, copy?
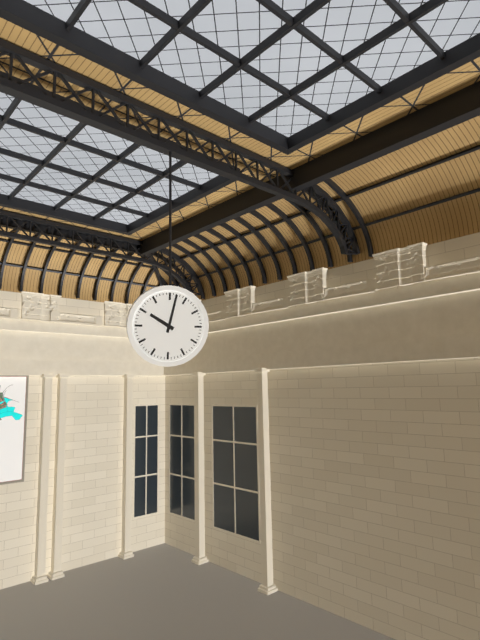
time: 10.02
